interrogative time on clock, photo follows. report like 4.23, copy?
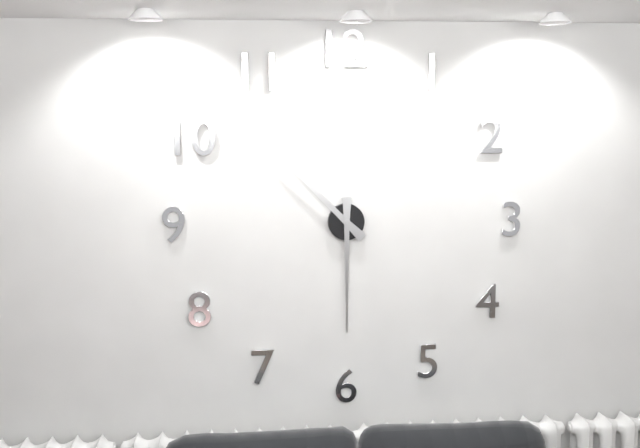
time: 10.30
